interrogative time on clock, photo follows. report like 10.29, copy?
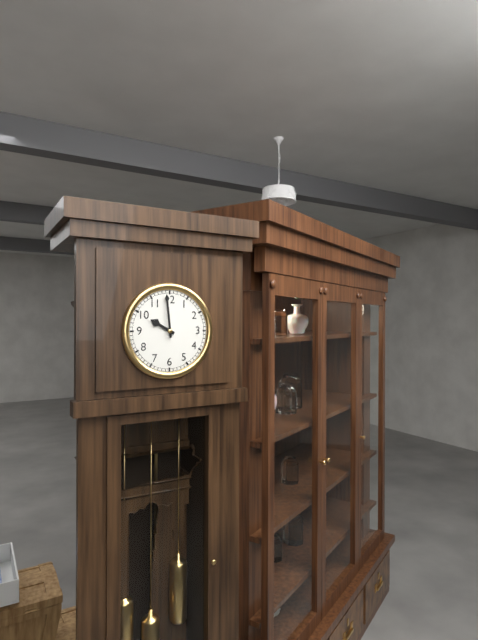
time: 9.59
